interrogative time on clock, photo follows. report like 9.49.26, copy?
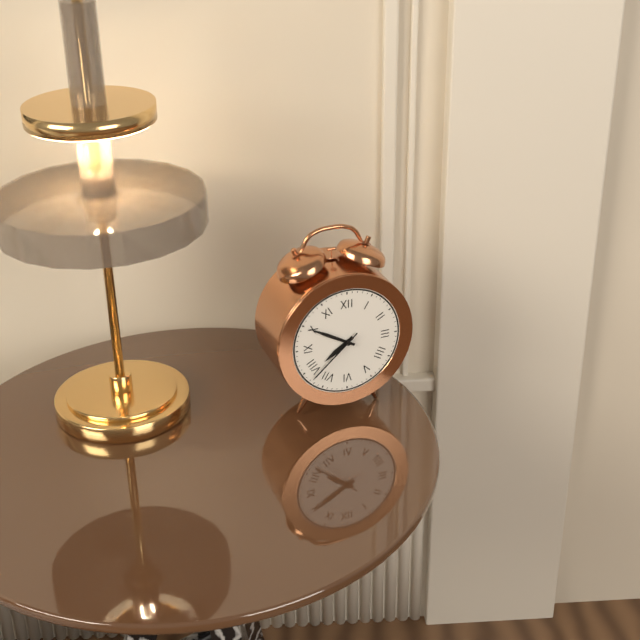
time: 7.50.38
